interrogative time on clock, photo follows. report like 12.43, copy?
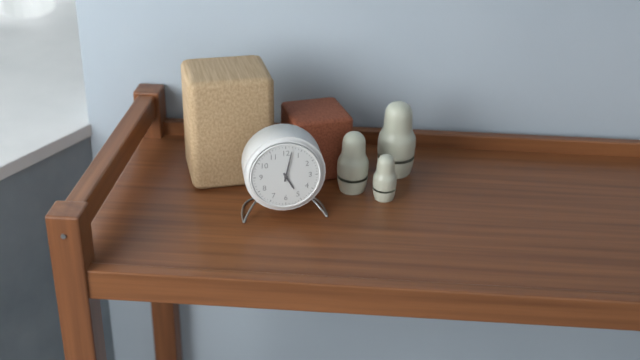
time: 5.02
